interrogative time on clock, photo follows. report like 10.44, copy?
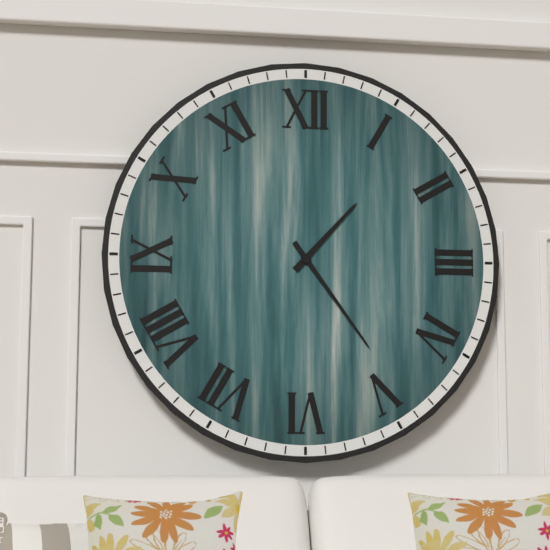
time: 1.24
